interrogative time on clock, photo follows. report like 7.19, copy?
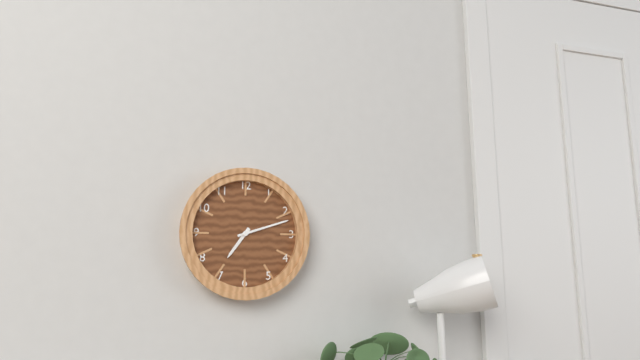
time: 7.12
